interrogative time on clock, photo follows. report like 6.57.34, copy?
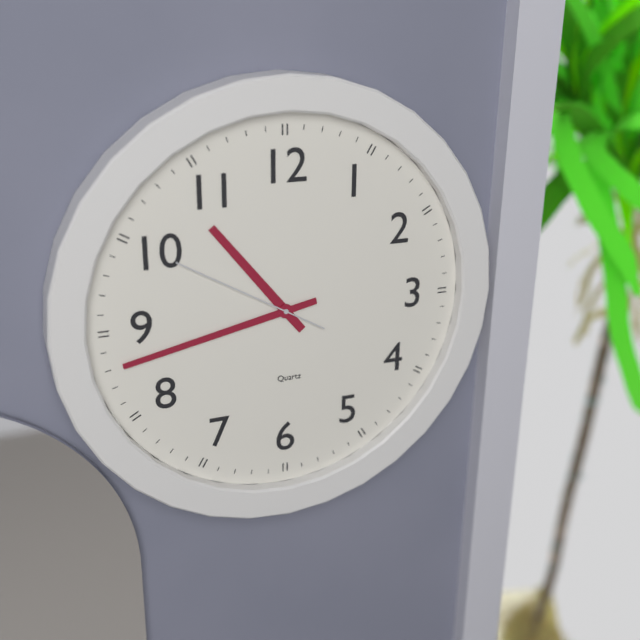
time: 10.43.50
